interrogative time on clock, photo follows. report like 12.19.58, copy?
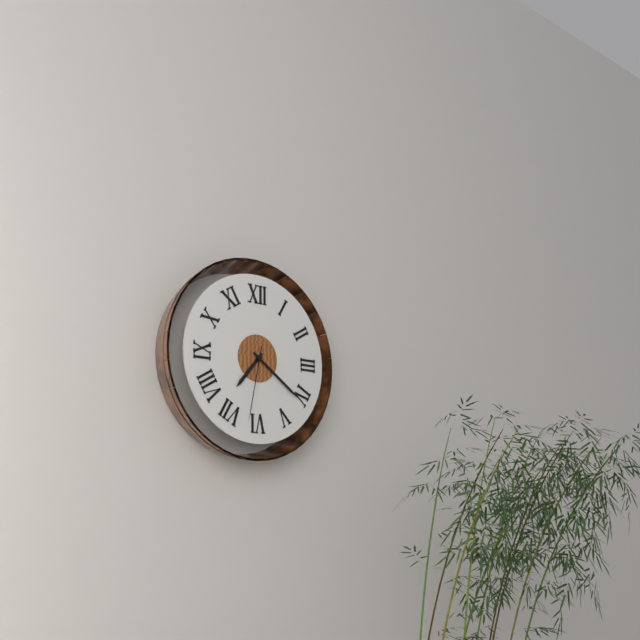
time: 7.21.32
